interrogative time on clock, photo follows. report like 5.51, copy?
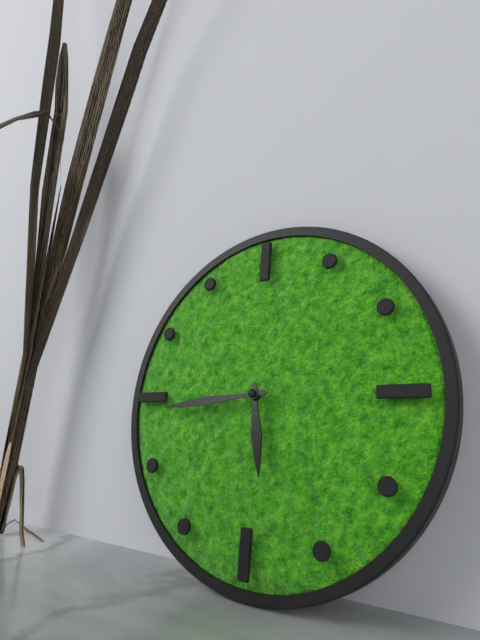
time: 5.44
